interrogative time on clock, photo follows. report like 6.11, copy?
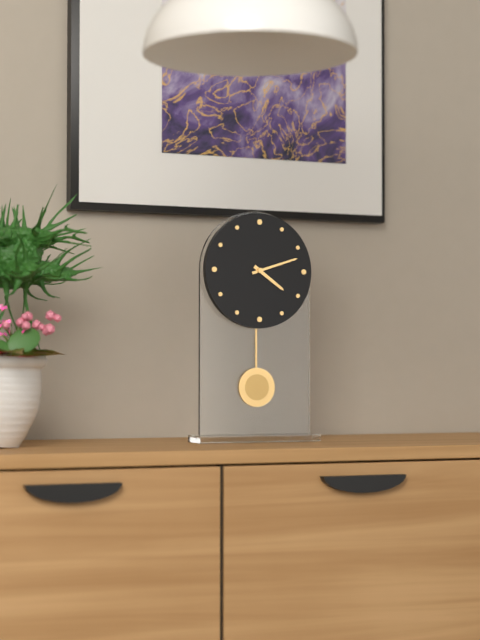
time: 4.12
